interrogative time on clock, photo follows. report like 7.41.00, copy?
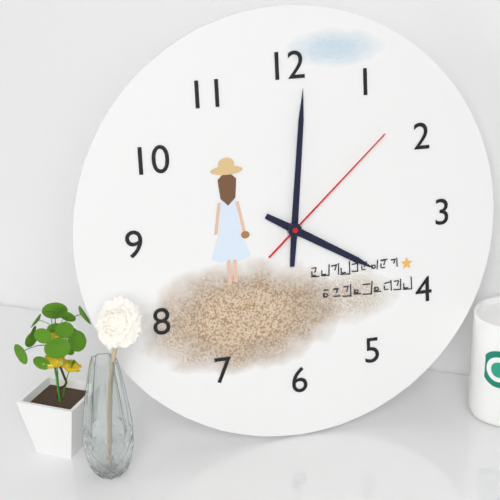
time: 4.01.08
